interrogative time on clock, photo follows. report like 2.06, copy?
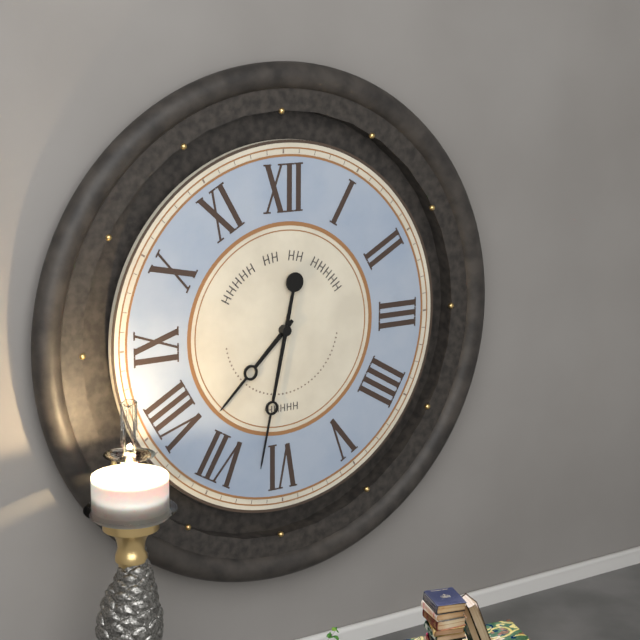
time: 7.32
